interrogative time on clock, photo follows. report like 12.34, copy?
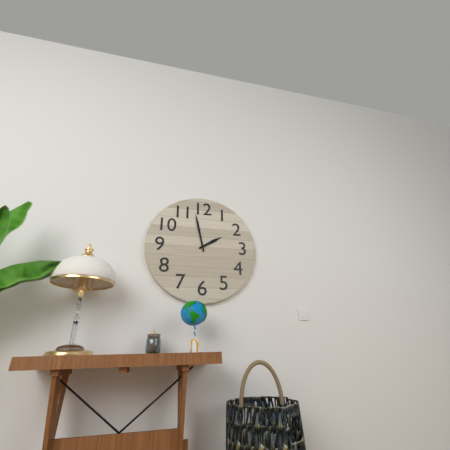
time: 1.58
